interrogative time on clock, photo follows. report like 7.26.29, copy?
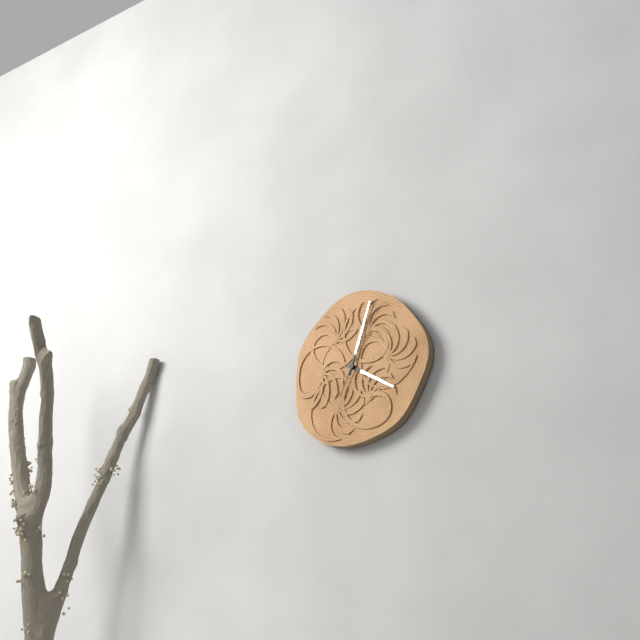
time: 4.03.04
